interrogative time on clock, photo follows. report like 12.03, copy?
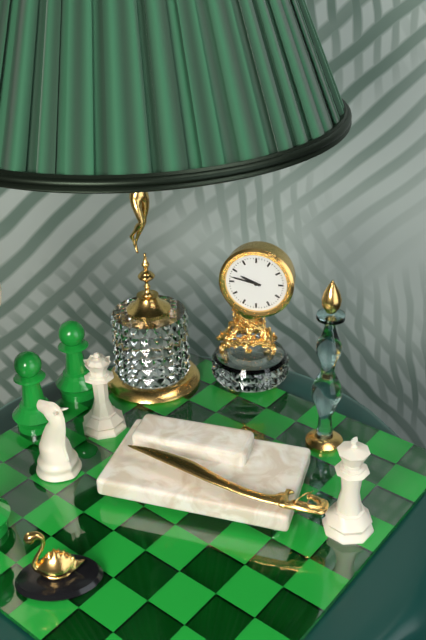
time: 9.47
